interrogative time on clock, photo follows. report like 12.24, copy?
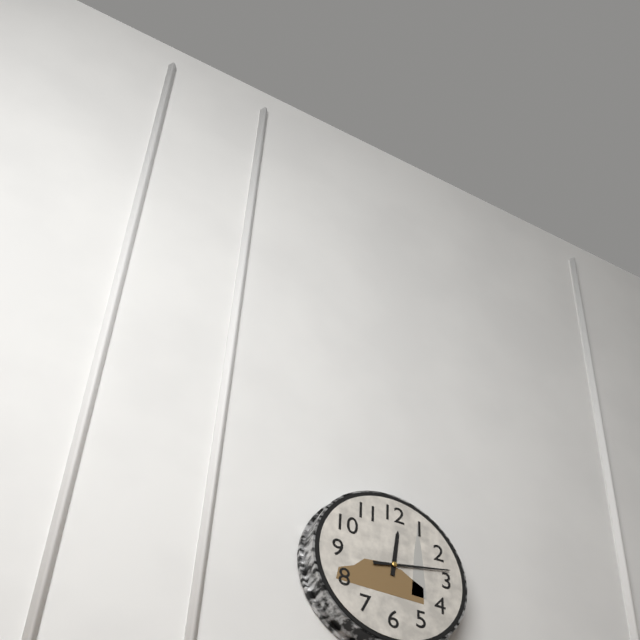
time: 12.13
